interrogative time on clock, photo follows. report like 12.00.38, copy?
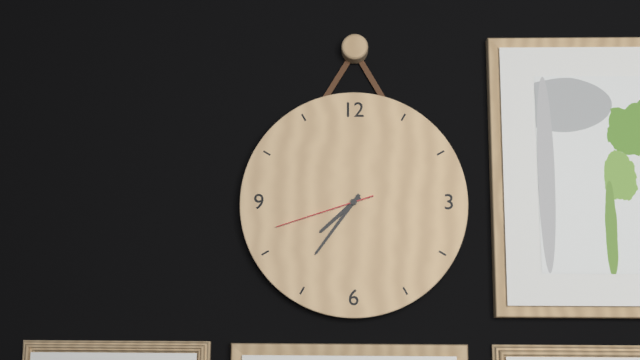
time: 7.36.42
